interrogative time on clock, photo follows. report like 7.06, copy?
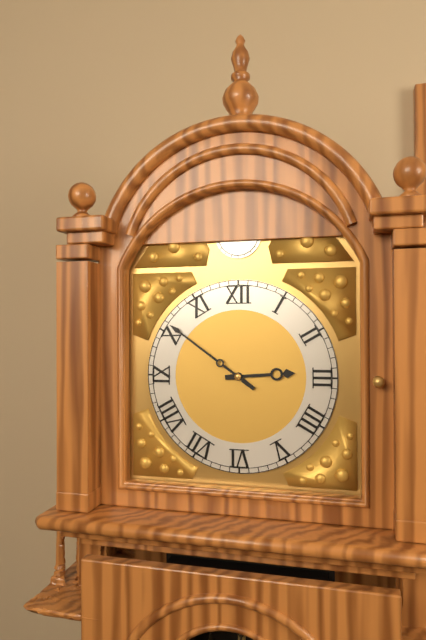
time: 2.51
